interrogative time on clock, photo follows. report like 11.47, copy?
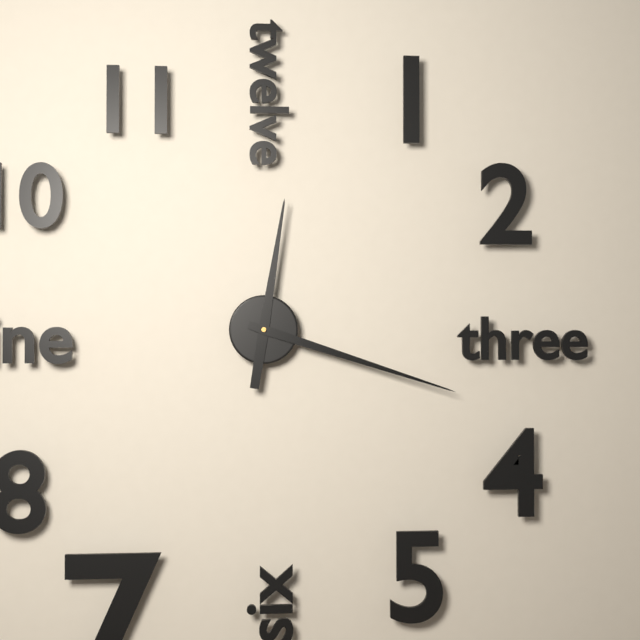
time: 12.18
